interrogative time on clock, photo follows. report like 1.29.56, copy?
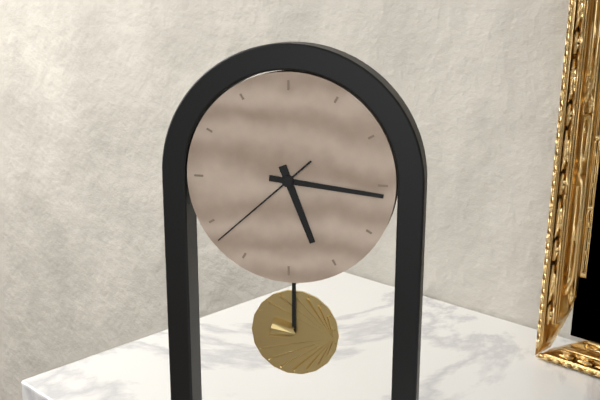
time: 5.16.38
